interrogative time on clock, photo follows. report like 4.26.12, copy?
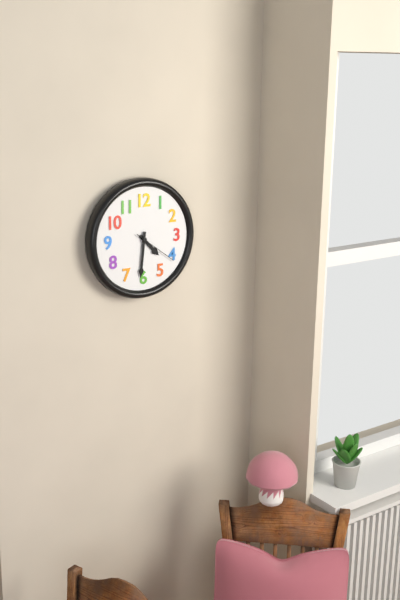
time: 4.31.21
